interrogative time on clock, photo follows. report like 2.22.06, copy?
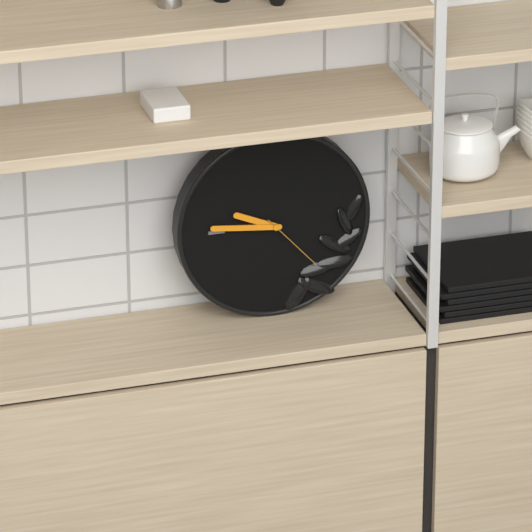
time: 9.46.23
